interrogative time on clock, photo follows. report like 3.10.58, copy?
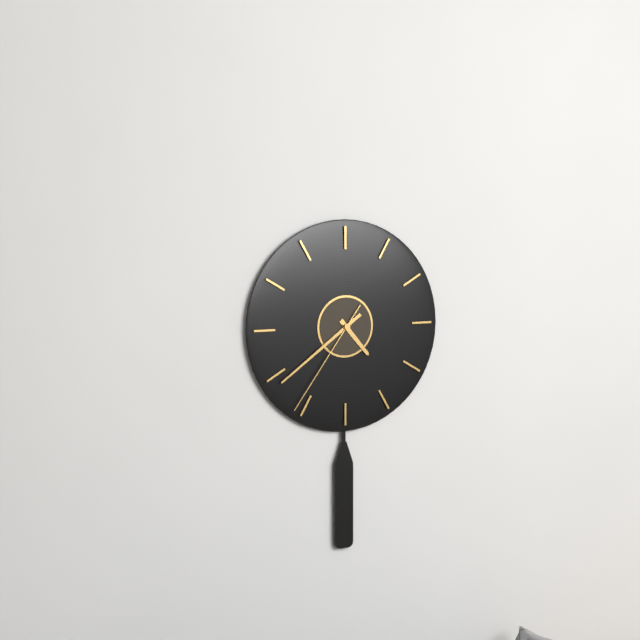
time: 4.39.36
